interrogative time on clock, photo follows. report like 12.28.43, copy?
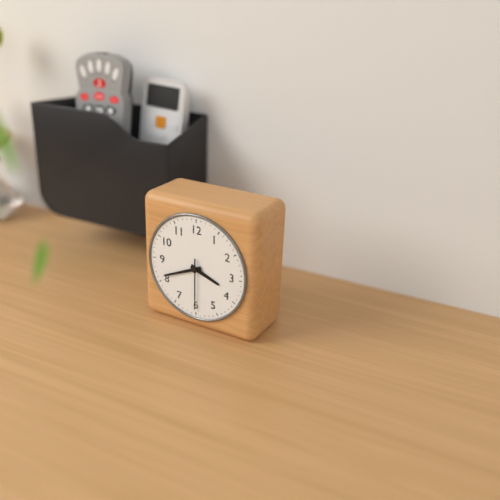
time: 3.41.30
